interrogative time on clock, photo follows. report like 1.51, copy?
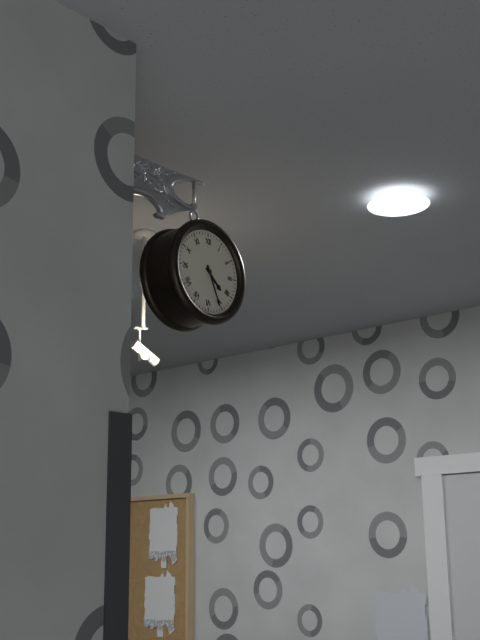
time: 4.26
